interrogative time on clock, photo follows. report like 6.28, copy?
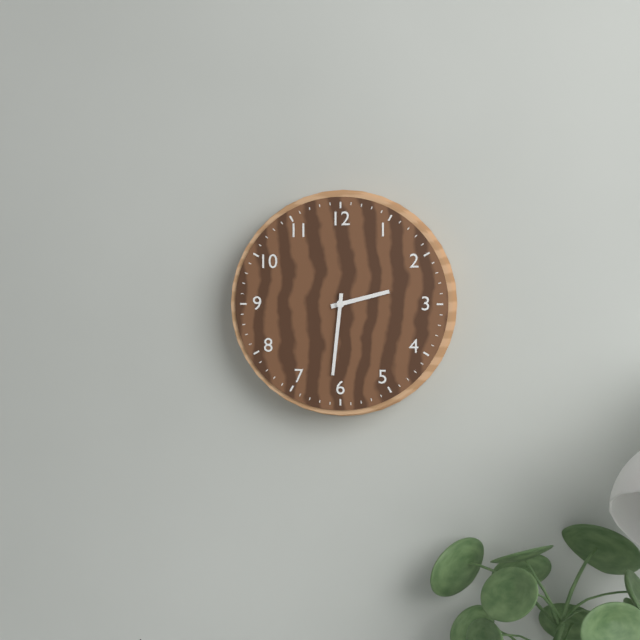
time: 2.31
